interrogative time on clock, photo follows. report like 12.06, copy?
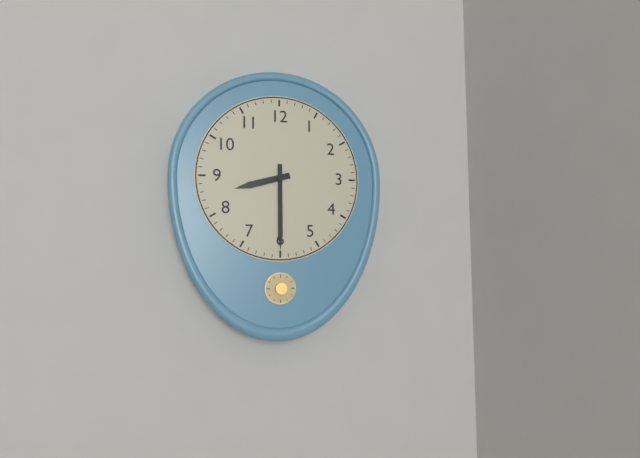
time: 8.30
